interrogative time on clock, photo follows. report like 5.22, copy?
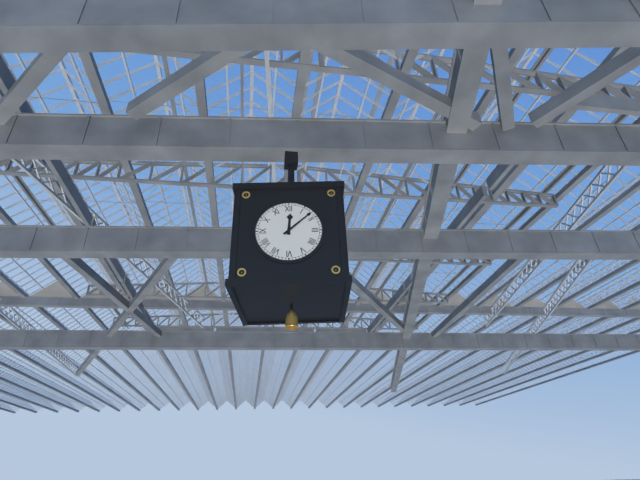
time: 12.08
